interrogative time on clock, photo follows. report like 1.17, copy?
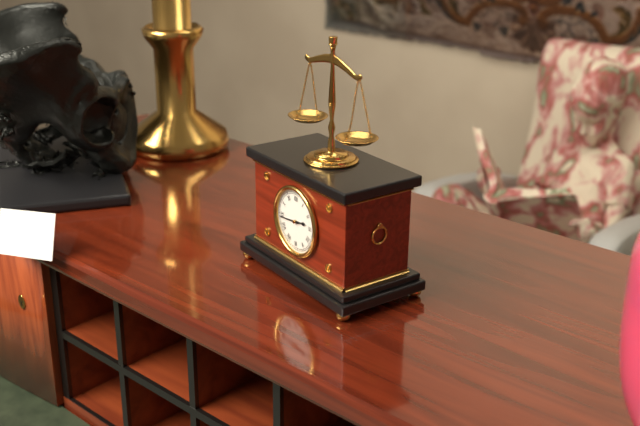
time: 2.44
